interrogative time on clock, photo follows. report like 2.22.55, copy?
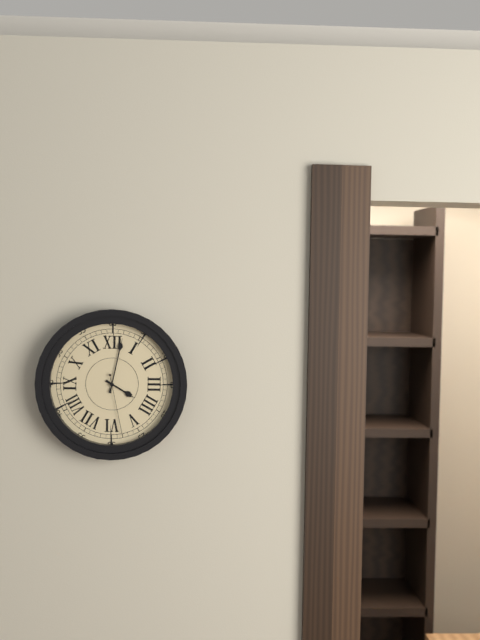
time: 4.02.28
